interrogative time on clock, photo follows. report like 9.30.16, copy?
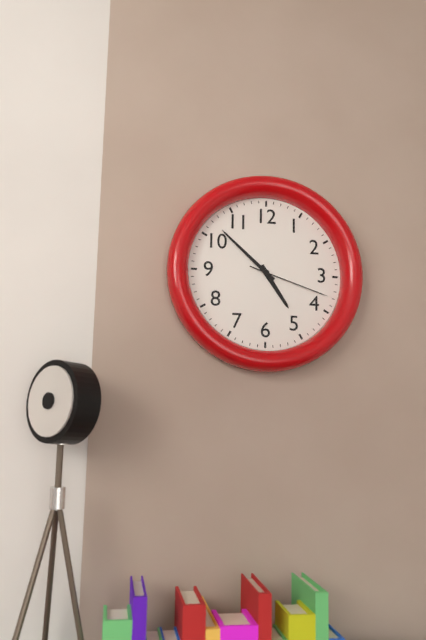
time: 4.52.18
